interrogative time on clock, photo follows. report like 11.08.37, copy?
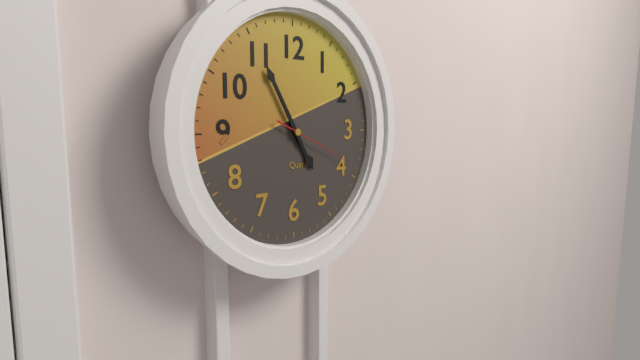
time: 4.55.19
